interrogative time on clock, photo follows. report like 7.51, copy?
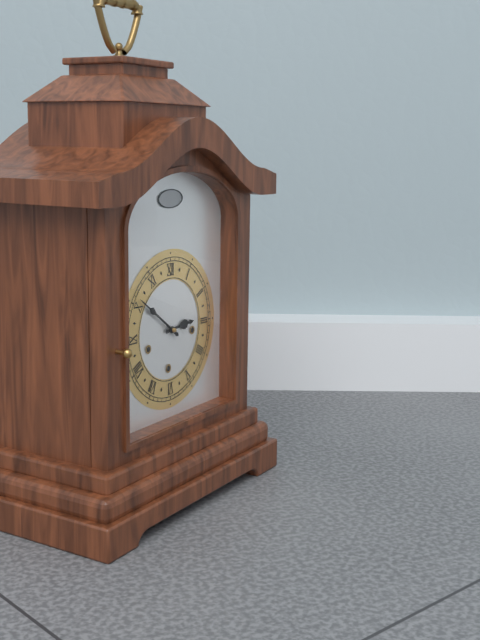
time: 2.51
